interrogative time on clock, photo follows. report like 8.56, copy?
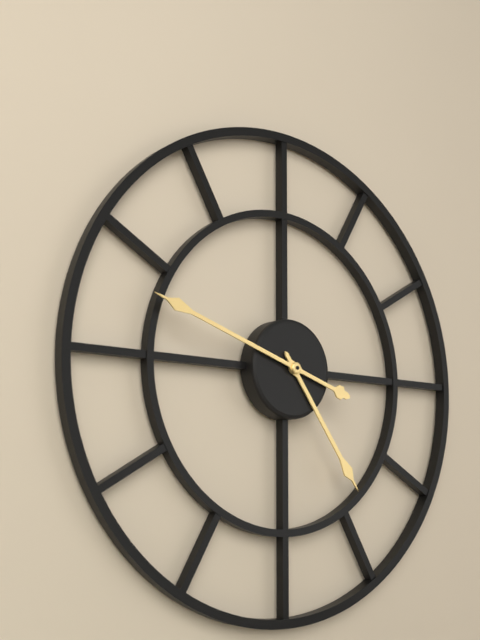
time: 4.48
